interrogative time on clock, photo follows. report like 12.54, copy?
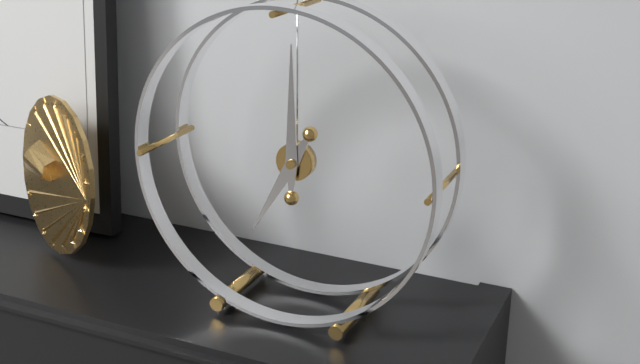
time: 7.00
